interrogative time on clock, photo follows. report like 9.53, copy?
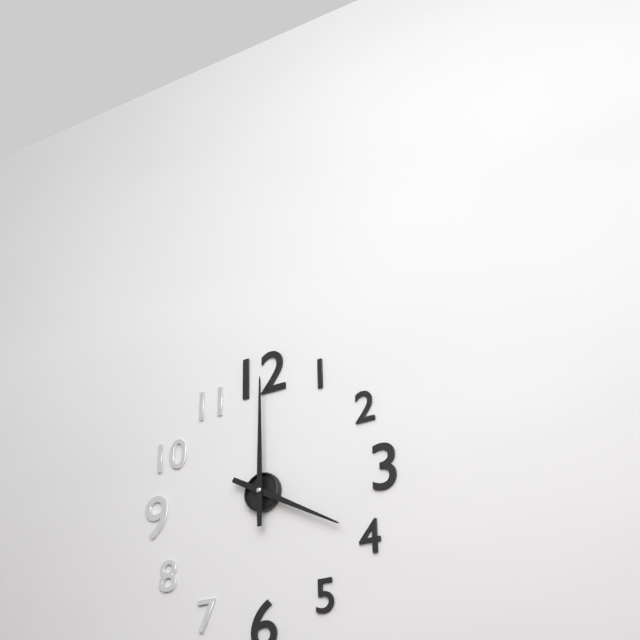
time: 4.00
